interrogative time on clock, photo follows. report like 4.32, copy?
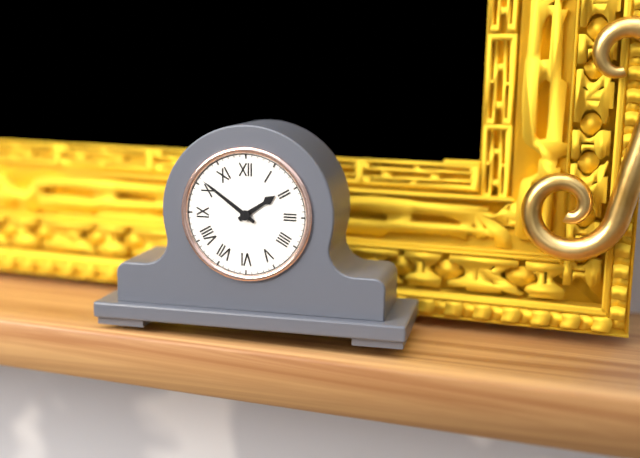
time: 1.51
